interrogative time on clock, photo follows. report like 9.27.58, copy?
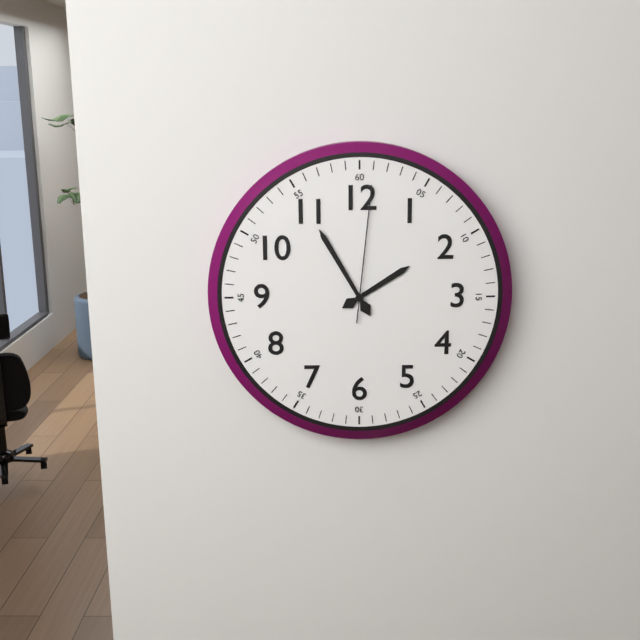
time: 1.55.01
